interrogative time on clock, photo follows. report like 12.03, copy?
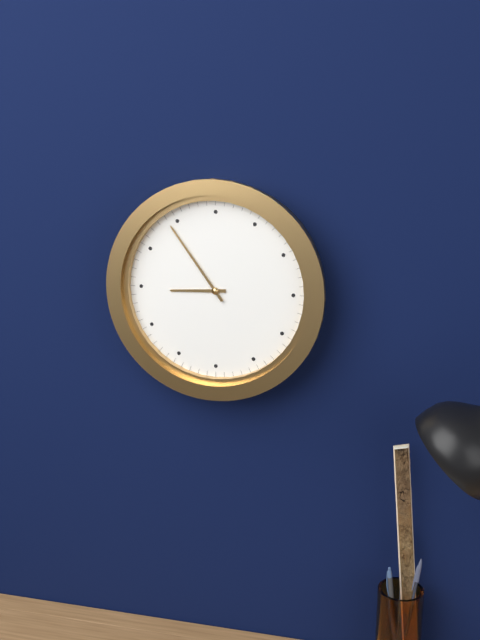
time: 8.54
